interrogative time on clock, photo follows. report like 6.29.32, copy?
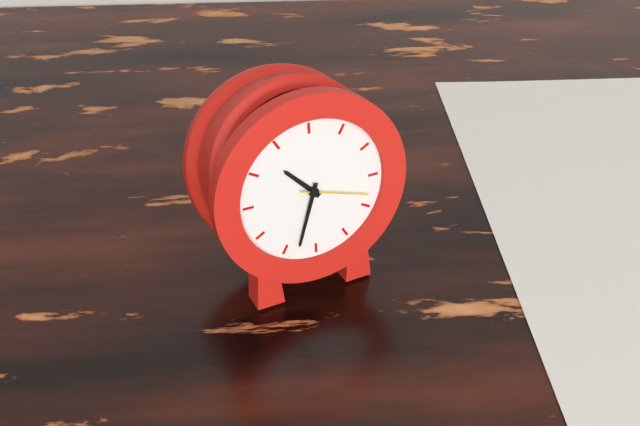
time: 10.33.18
